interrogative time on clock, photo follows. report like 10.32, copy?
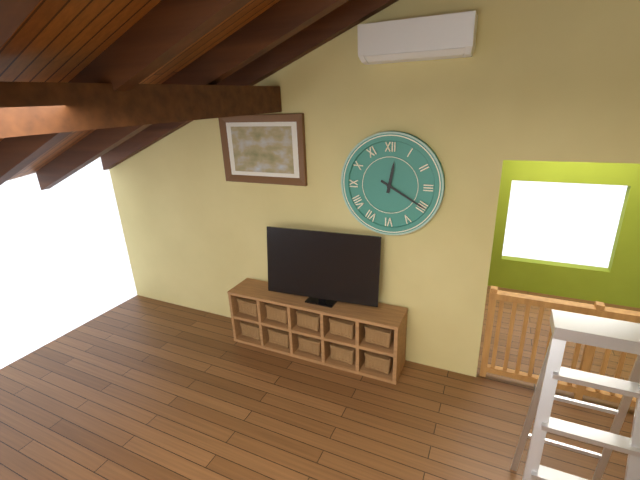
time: 12.20
